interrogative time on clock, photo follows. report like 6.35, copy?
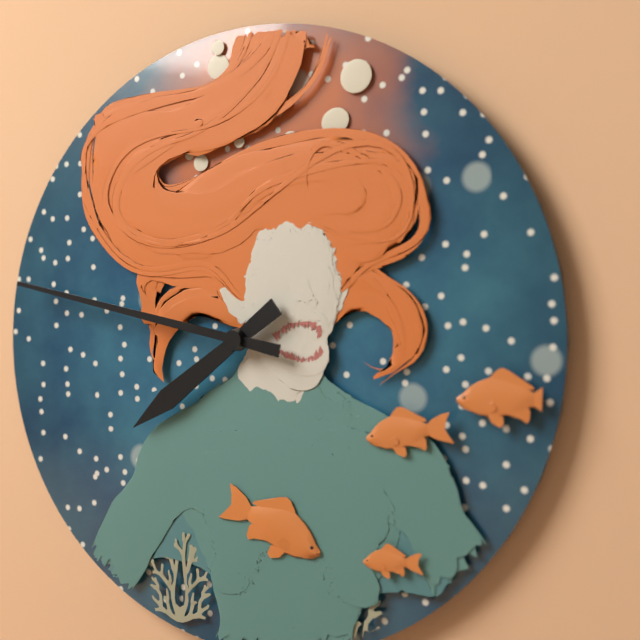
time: 7.47
